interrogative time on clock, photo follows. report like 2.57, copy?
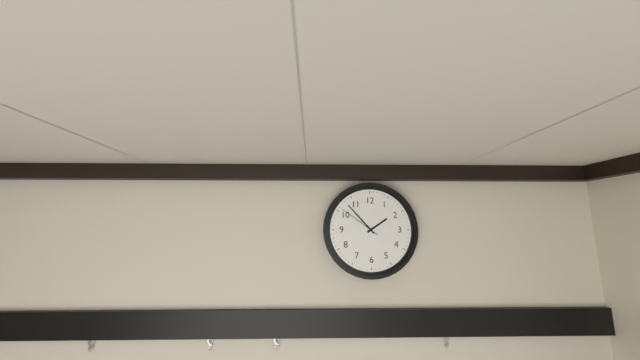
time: 1.53
